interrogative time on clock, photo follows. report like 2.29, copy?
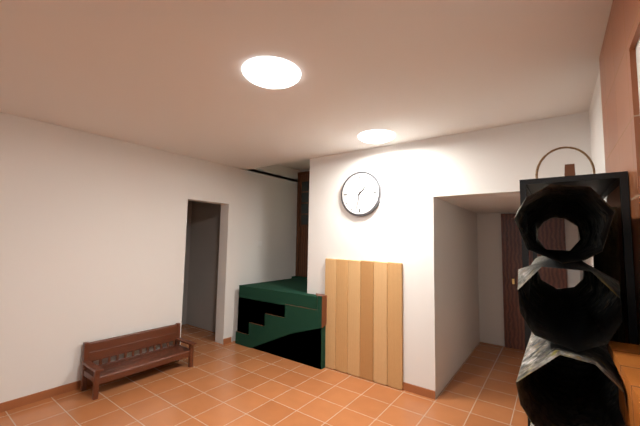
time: 1.32
